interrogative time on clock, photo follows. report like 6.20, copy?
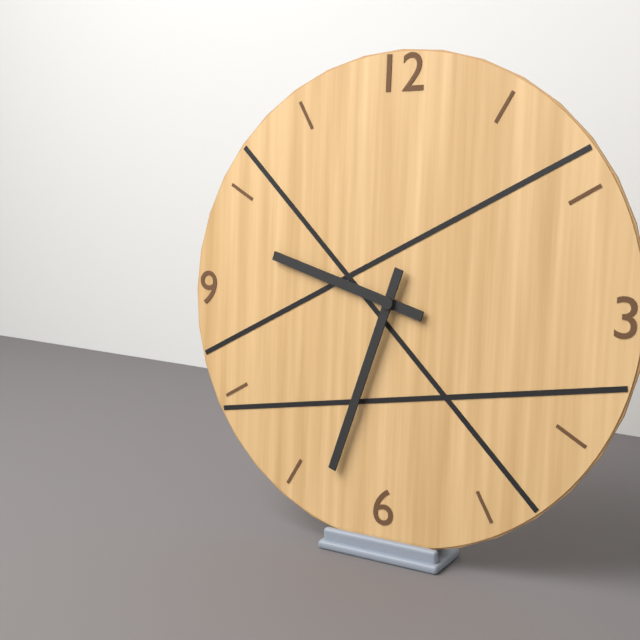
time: 9.33
